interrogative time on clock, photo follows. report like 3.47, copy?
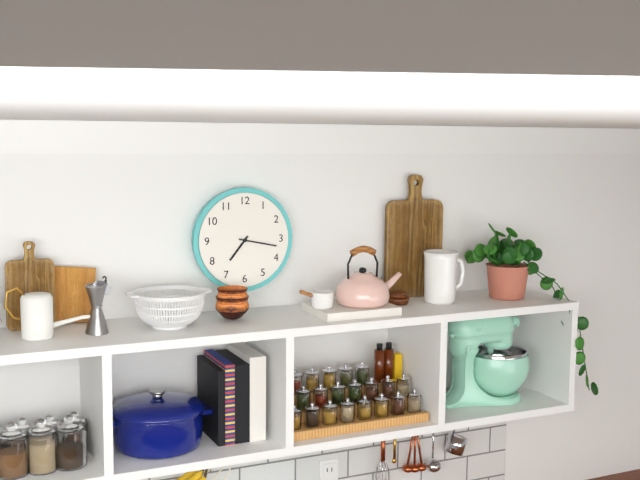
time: 7.17
